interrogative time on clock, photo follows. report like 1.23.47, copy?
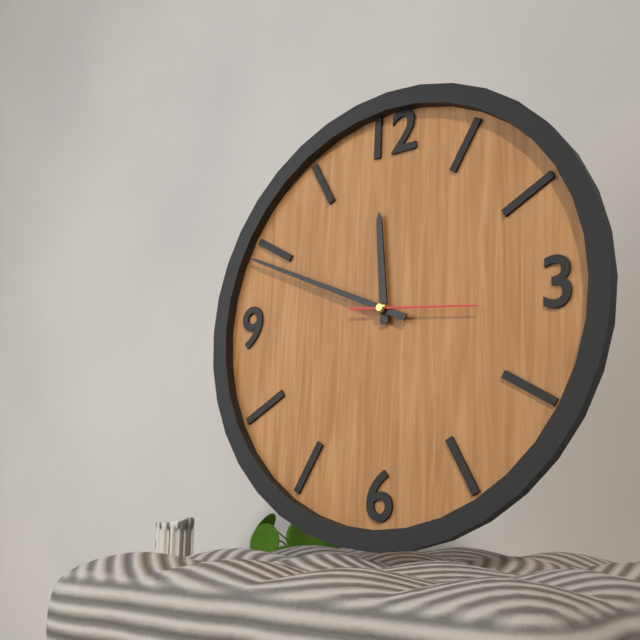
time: 11.49.16
